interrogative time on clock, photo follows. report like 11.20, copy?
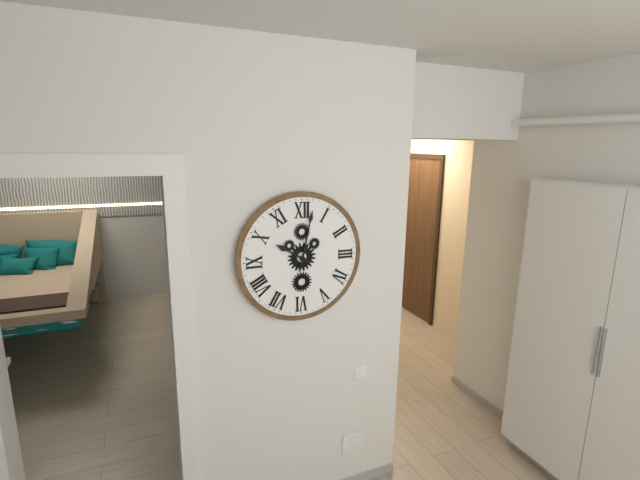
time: 10.02
